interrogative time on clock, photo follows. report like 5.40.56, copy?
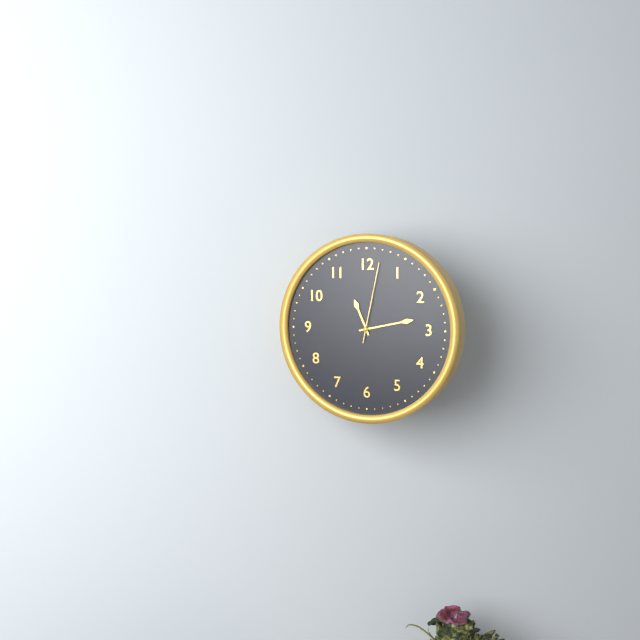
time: 11.13.02
